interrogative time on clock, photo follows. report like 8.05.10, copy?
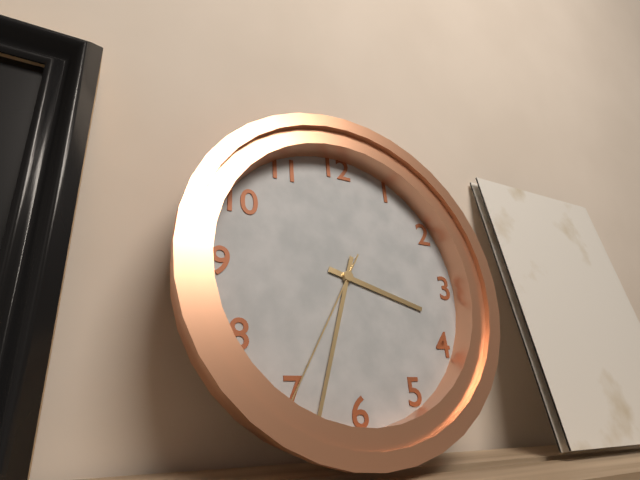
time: 3.33.35
